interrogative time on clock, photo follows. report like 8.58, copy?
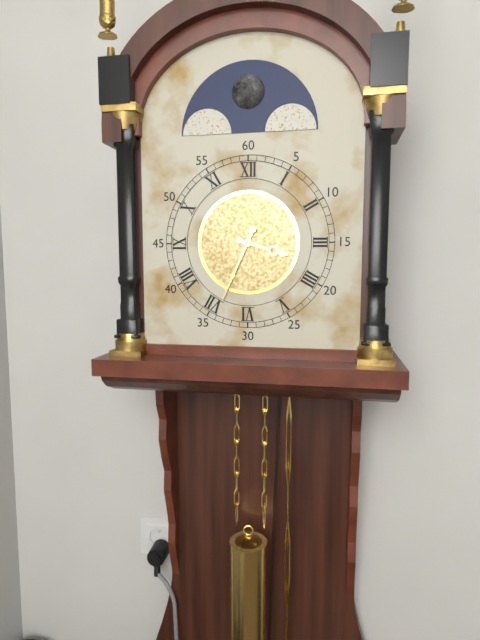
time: 3.34
